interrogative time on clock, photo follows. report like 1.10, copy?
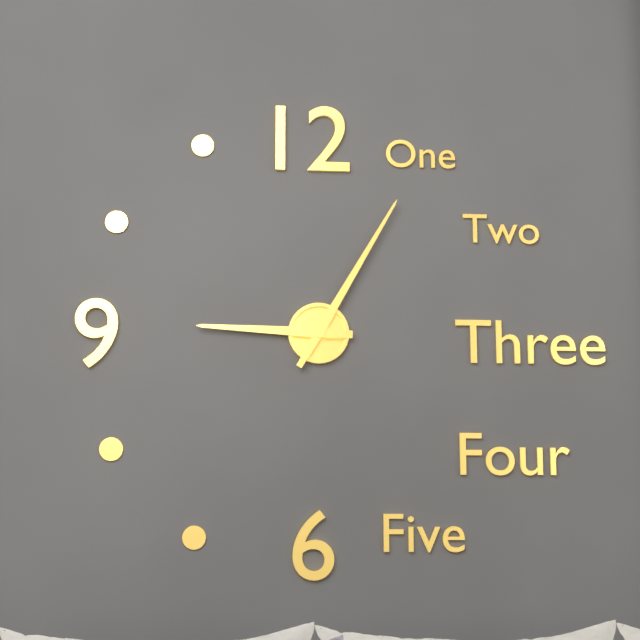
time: 9.05
